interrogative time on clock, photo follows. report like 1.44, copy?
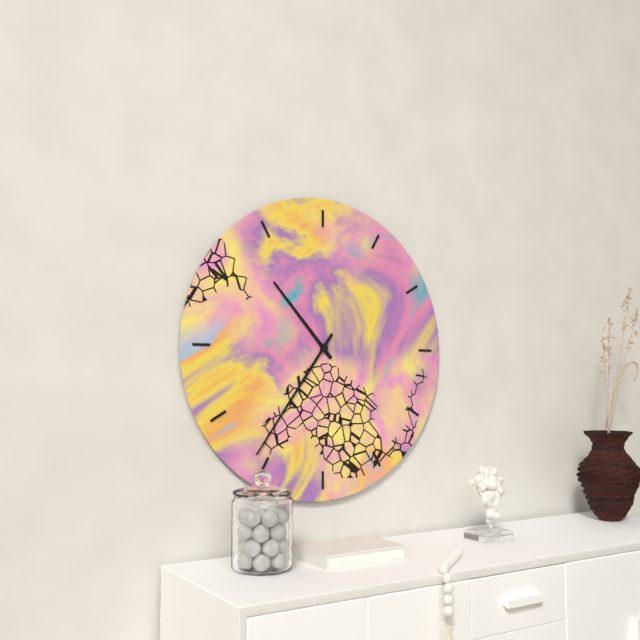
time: 10.36
